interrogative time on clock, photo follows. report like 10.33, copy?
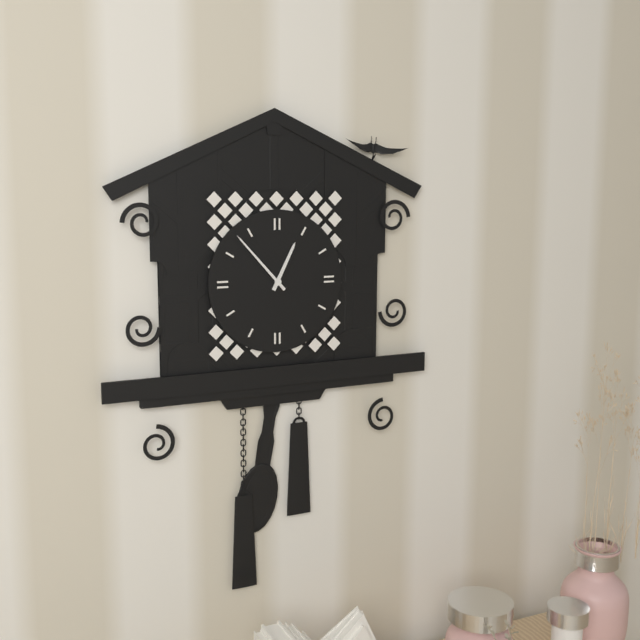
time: 12.53
